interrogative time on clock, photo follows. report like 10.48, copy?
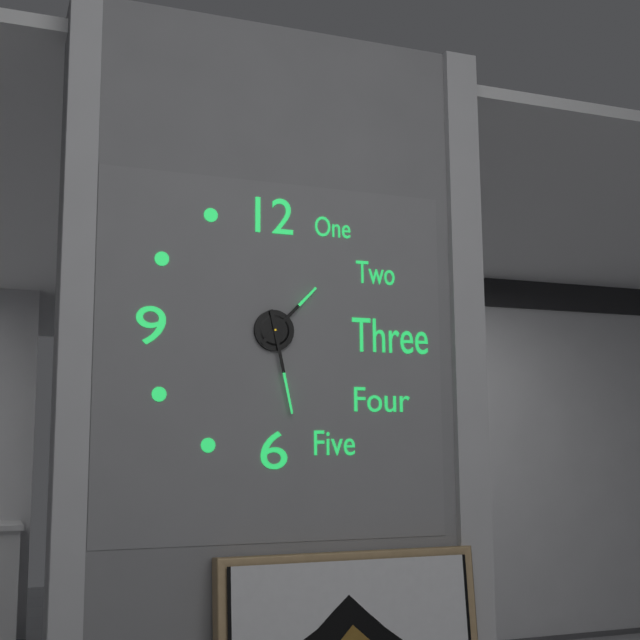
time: 1.28
